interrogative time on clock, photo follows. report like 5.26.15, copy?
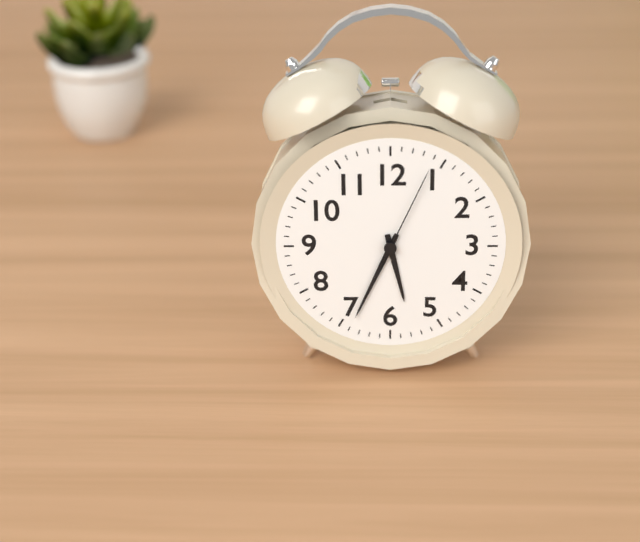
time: 5.34.04
